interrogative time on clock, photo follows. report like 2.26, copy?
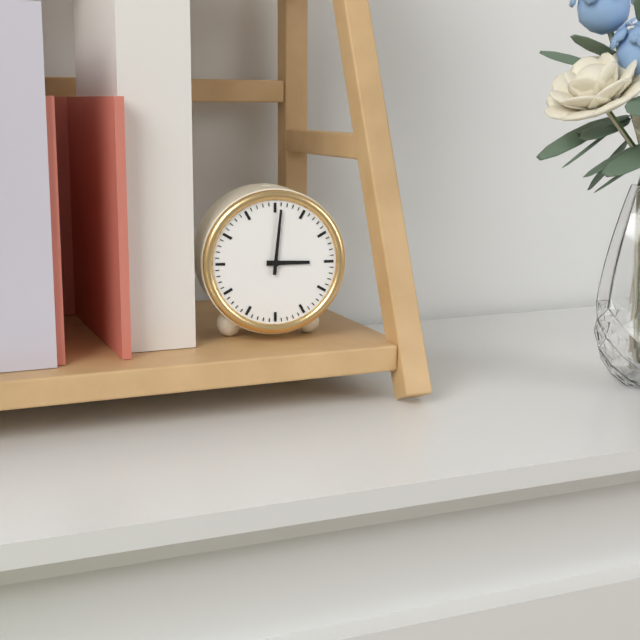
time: 3.01
